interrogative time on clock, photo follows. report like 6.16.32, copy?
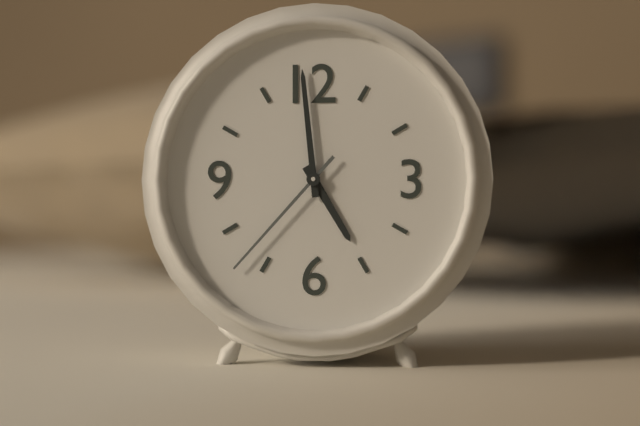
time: 4.59.37
